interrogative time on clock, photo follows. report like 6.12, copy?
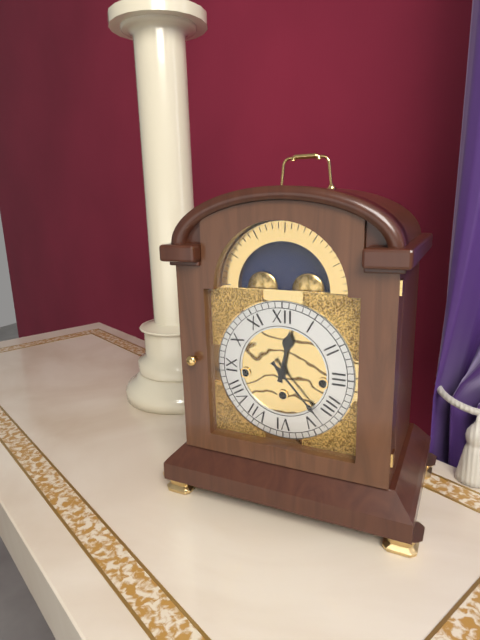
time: 12.23
